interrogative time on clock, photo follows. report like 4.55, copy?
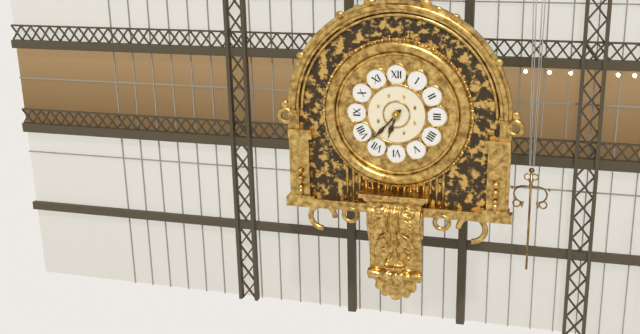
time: 6.37
